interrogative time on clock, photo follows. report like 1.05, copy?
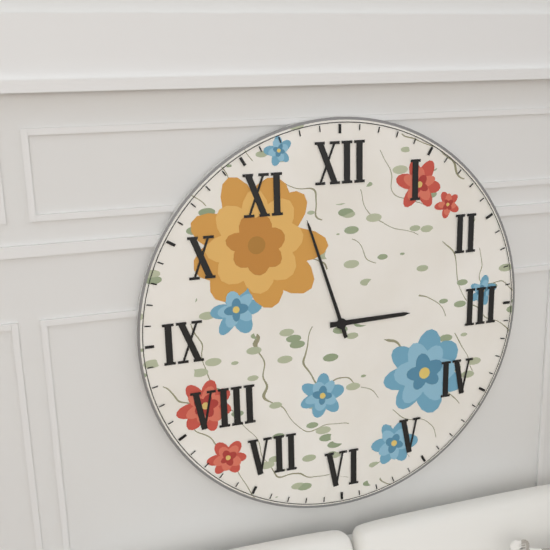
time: 2.57
